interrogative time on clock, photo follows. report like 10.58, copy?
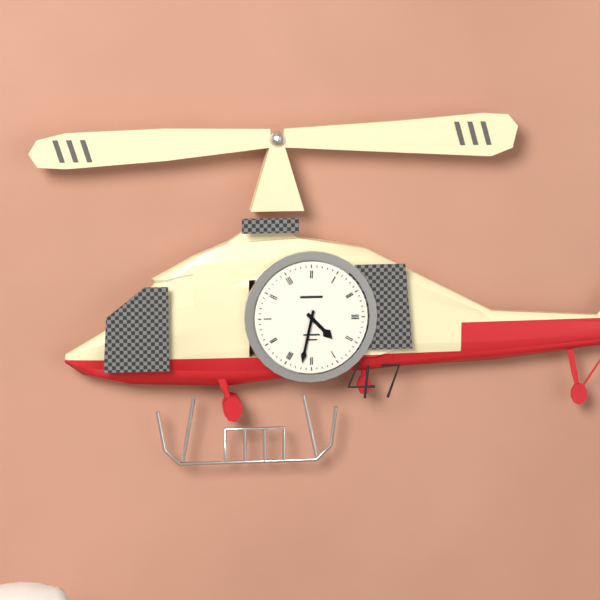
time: 4.32
